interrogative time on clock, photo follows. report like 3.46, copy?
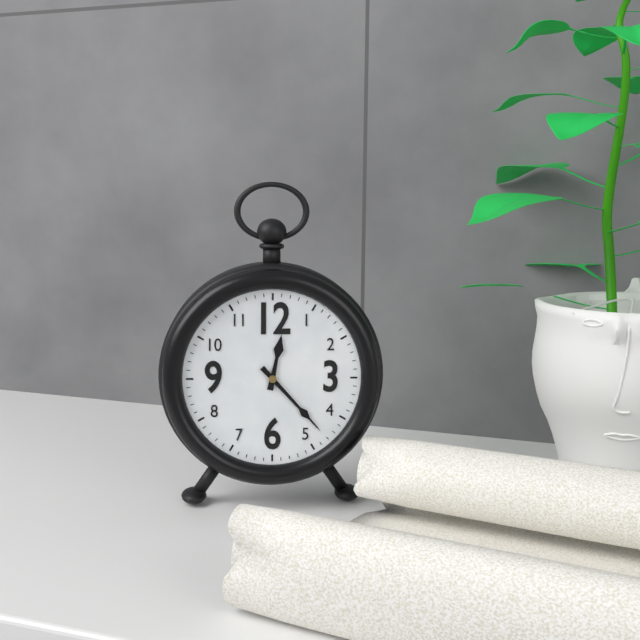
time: 12.23
